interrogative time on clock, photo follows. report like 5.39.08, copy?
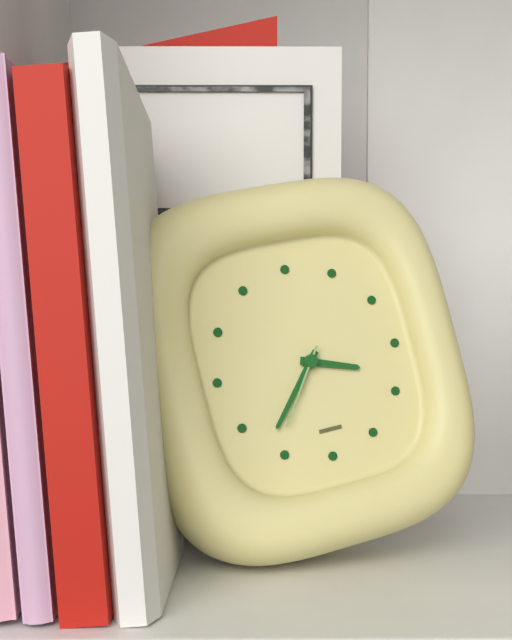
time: 3.37.36
